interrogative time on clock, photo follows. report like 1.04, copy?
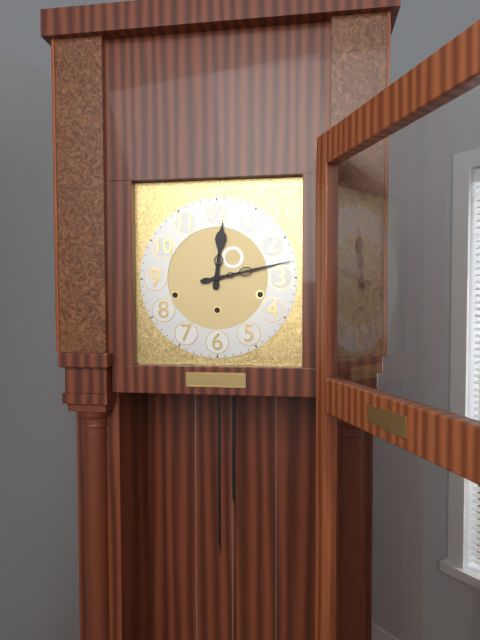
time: 12.13
